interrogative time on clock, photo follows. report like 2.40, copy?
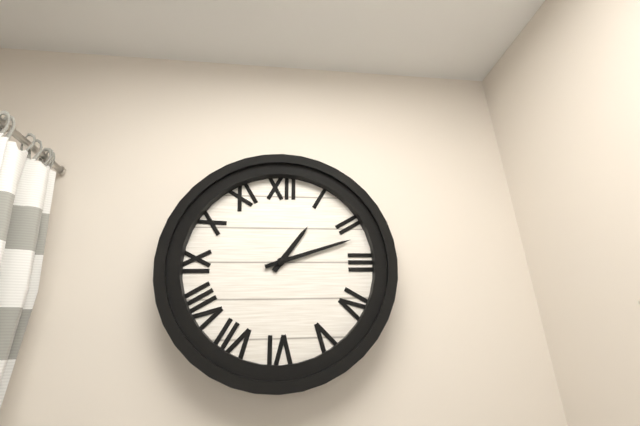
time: 1.12
